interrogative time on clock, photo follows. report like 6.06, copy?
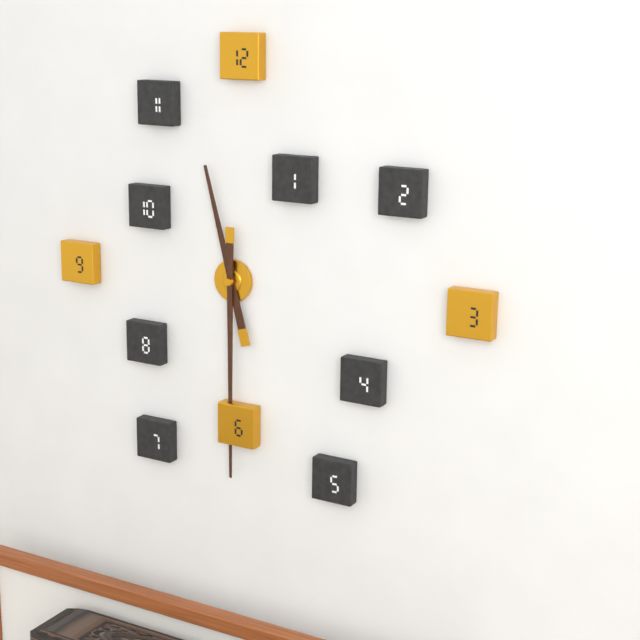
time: 11.30
